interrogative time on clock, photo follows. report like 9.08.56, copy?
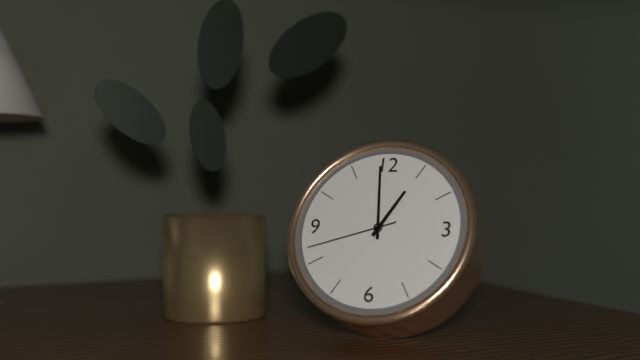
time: 12.59.42
